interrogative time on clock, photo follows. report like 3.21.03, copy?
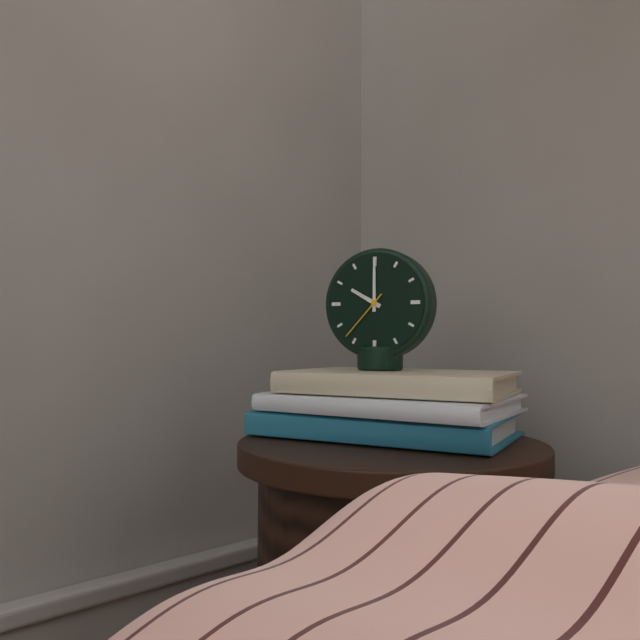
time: 10.00.37
